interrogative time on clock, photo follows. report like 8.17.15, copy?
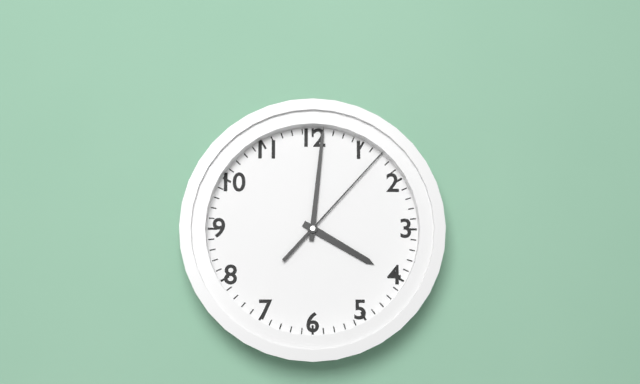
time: 4.01.07
